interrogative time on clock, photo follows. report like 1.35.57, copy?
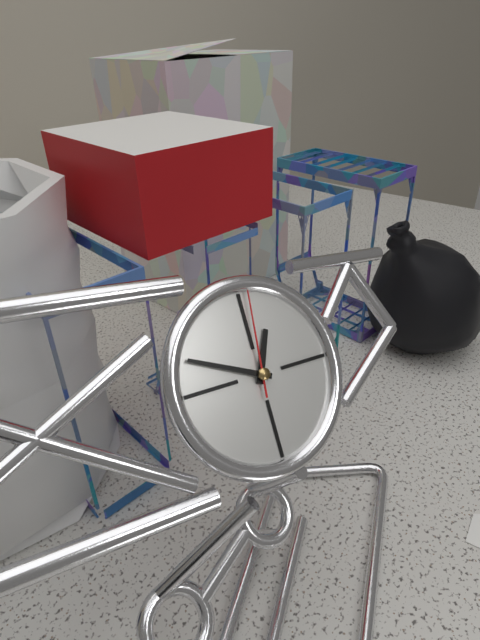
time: 12.49.01
